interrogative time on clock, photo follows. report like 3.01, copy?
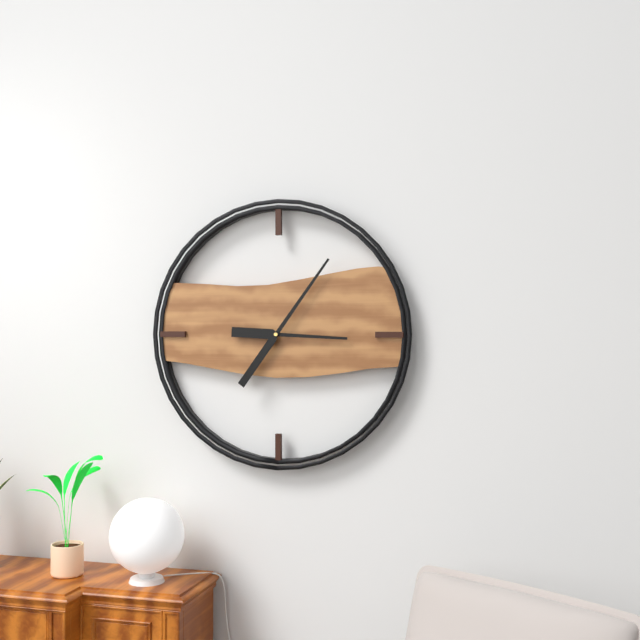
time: 3.06
